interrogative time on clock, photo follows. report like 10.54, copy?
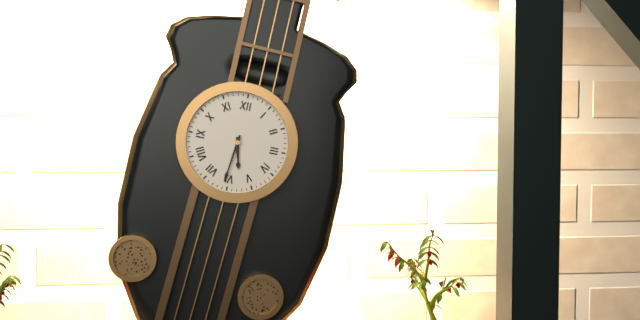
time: 5.31
